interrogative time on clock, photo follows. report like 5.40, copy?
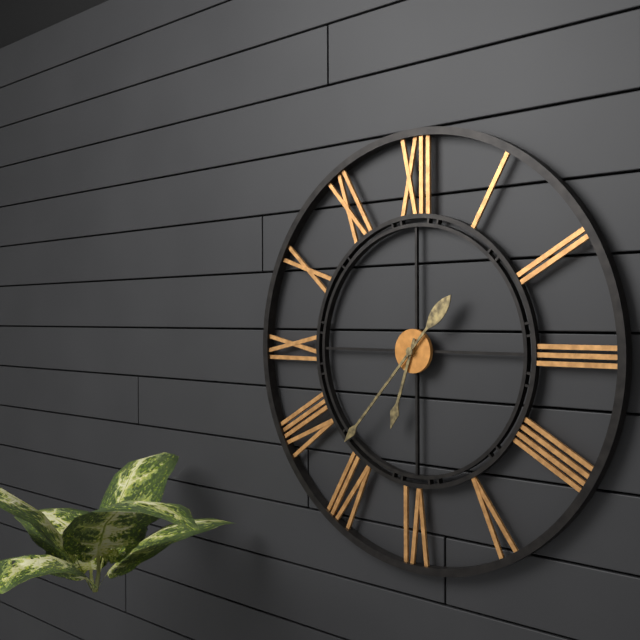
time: 6.37
